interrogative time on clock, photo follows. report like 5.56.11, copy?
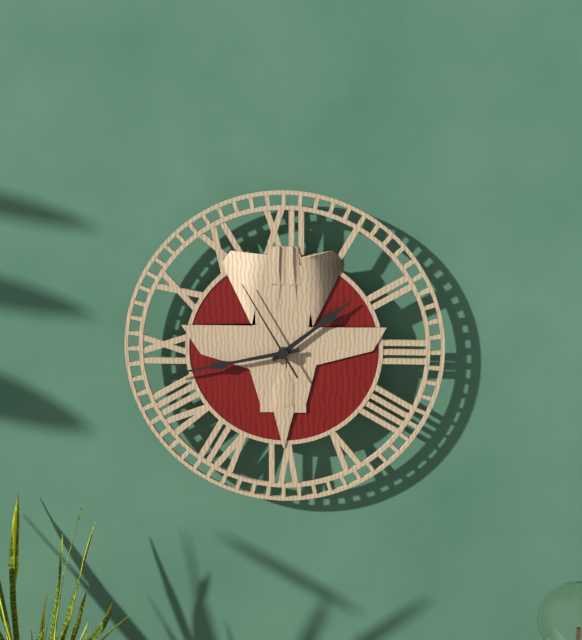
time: 1.43.55
